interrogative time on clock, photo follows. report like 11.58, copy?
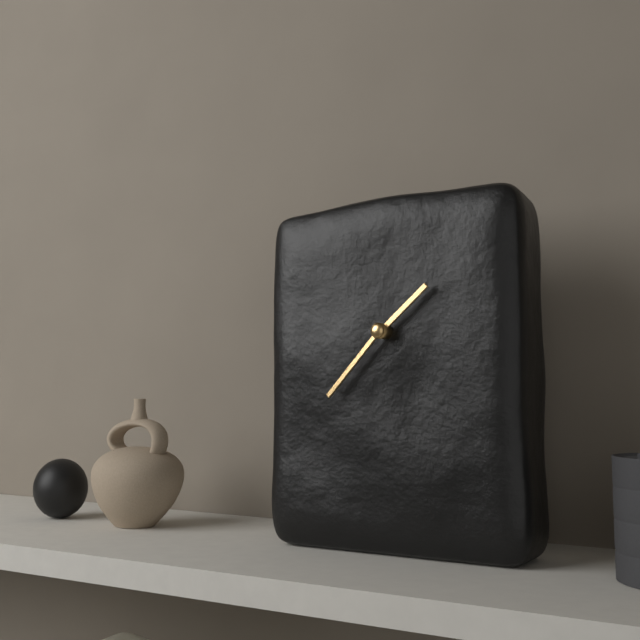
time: 1.37
